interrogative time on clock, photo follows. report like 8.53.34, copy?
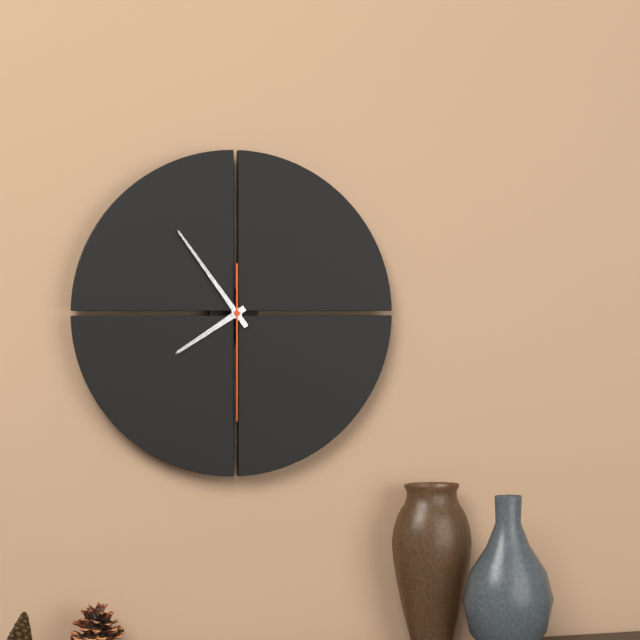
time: 7.54.30
